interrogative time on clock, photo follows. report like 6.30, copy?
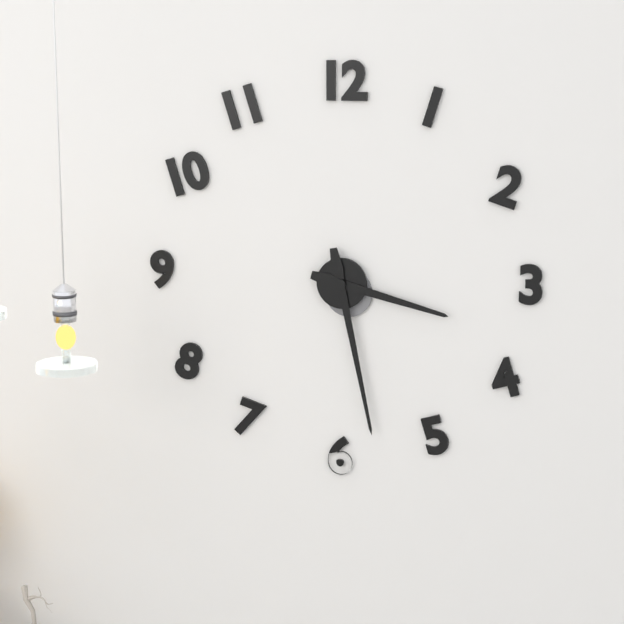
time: 3.28
